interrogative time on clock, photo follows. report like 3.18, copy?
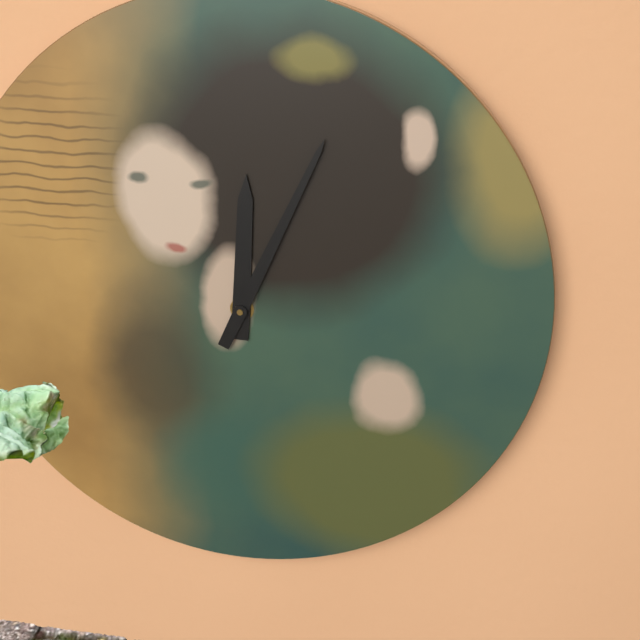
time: 12.04
